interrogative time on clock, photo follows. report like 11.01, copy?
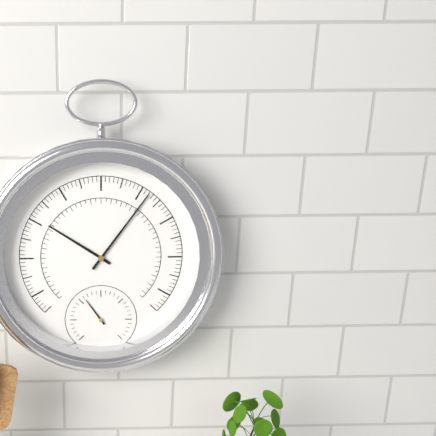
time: 10.06
